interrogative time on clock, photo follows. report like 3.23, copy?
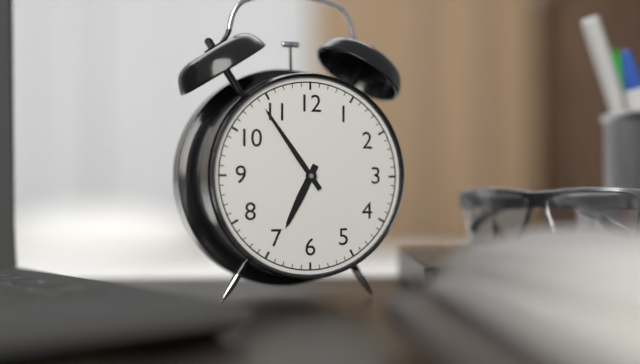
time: 6.54
